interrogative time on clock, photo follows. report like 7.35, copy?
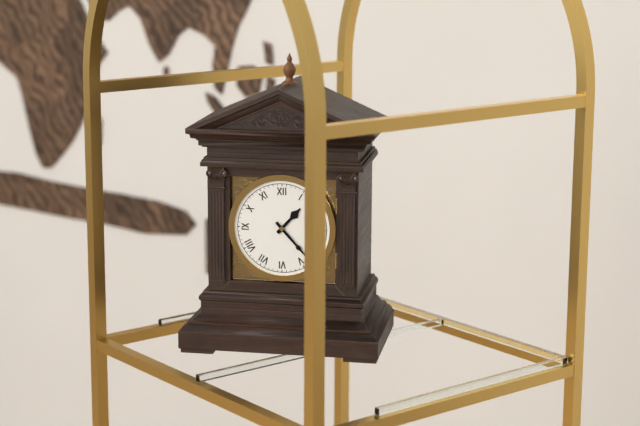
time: 1.23
